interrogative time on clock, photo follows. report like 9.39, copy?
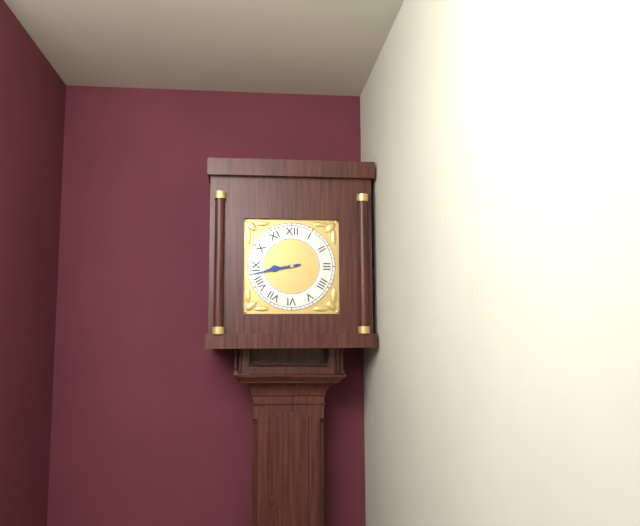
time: 8.43
